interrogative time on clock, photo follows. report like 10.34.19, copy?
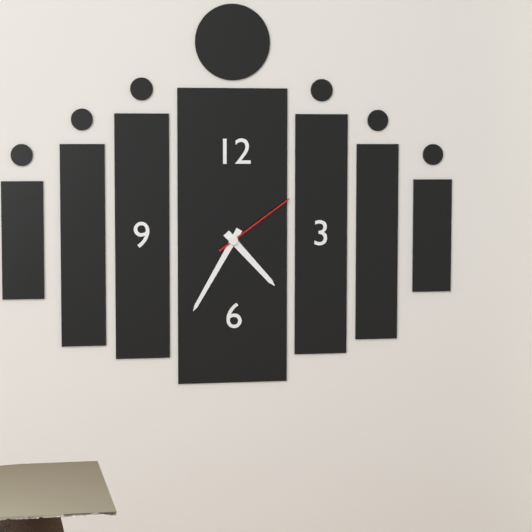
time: 4.35.09
